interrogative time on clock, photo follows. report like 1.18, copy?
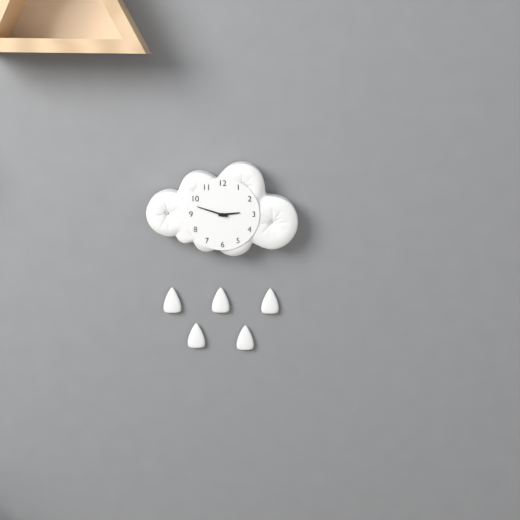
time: 2.48
